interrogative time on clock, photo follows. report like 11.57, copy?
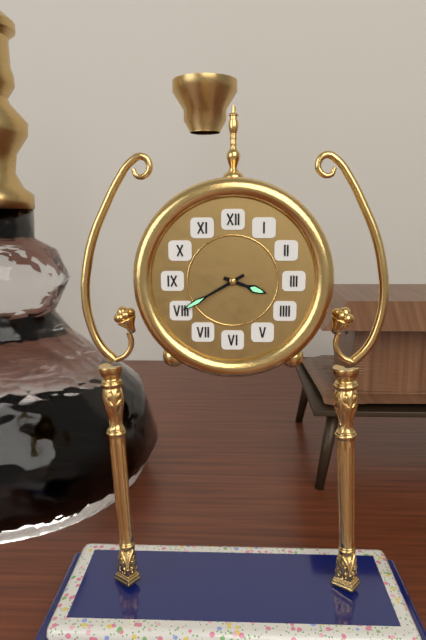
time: 3.40
